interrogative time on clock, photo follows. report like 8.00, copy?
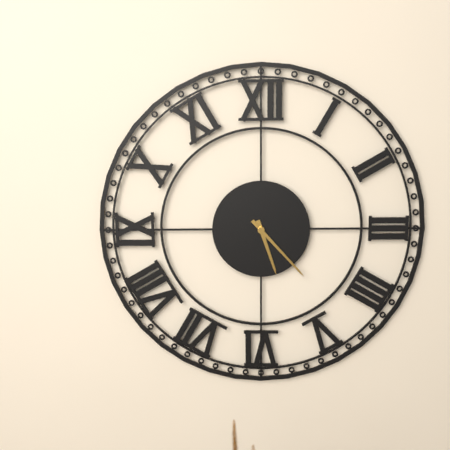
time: 5.23
